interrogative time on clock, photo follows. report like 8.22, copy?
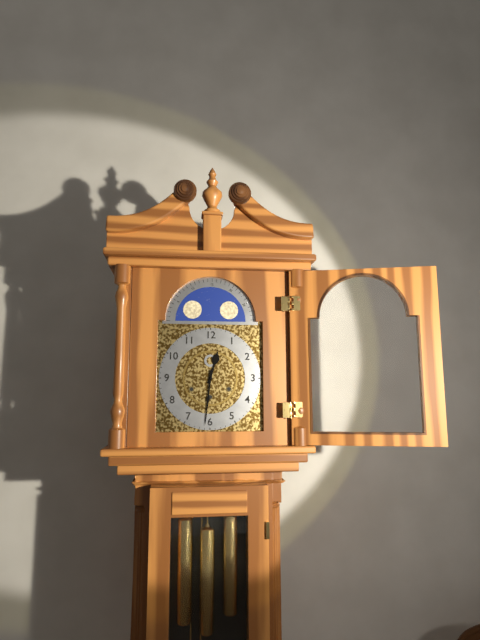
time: 12.31
